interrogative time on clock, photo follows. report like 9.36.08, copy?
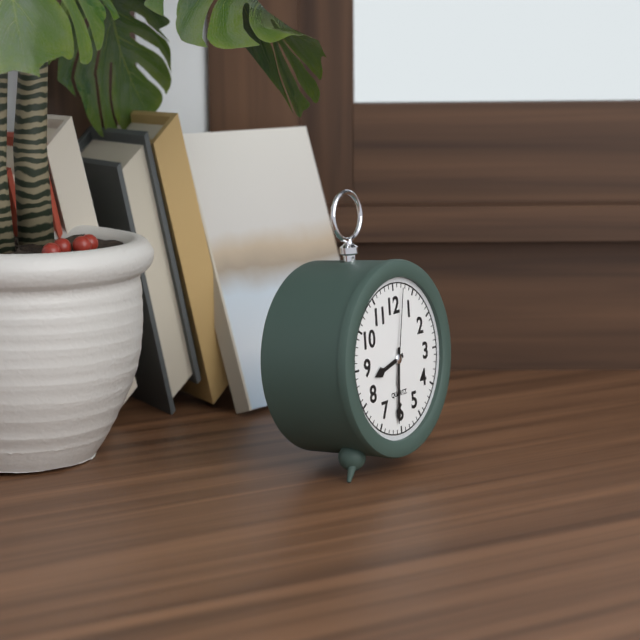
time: 8.31.02
